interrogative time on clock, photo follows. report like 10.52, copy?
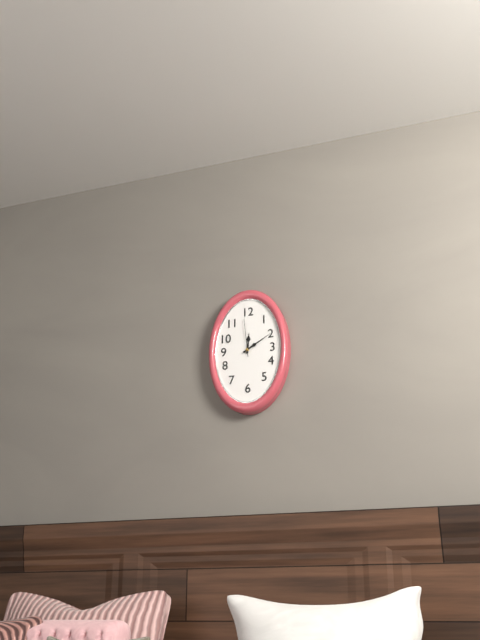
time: 12.10
